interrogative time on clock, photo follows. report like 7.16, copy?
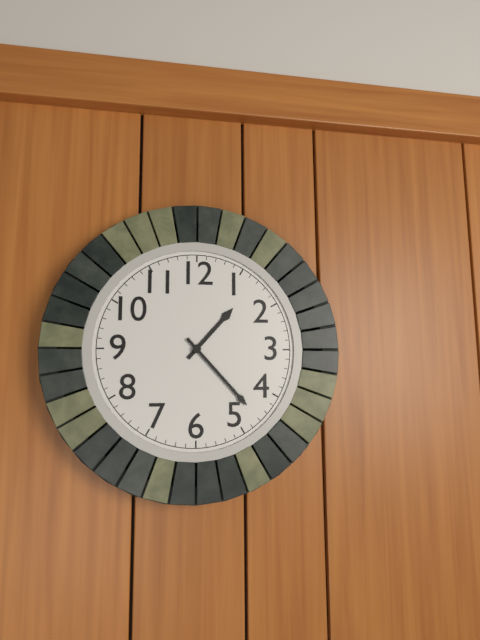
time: 1.23
